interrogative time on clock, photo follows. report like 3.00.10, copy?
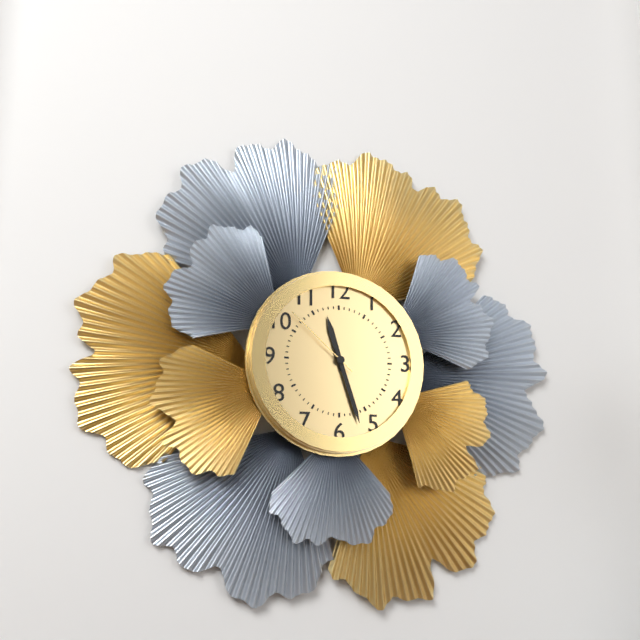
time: 11.27.52
